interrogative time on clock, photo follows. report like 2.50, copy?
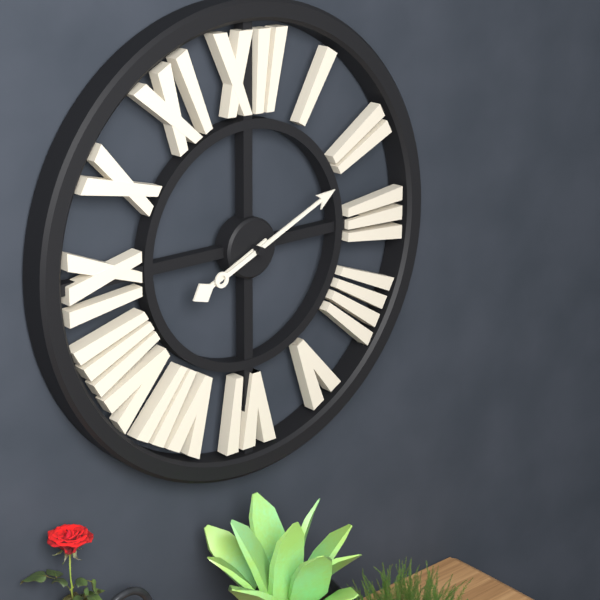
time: 8.11
